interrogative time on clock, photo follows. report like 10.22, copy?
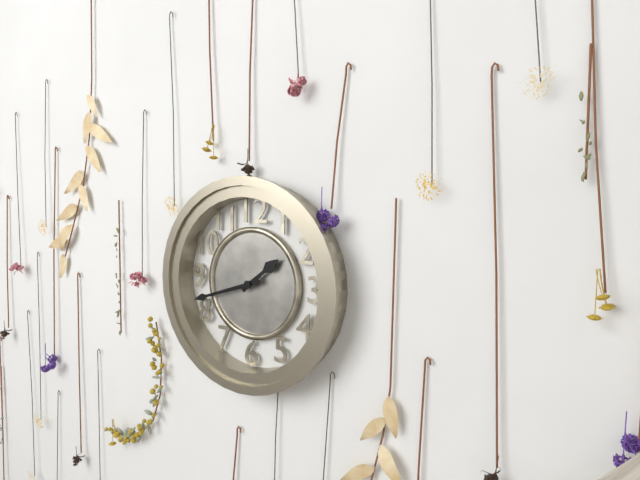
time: 1.42
